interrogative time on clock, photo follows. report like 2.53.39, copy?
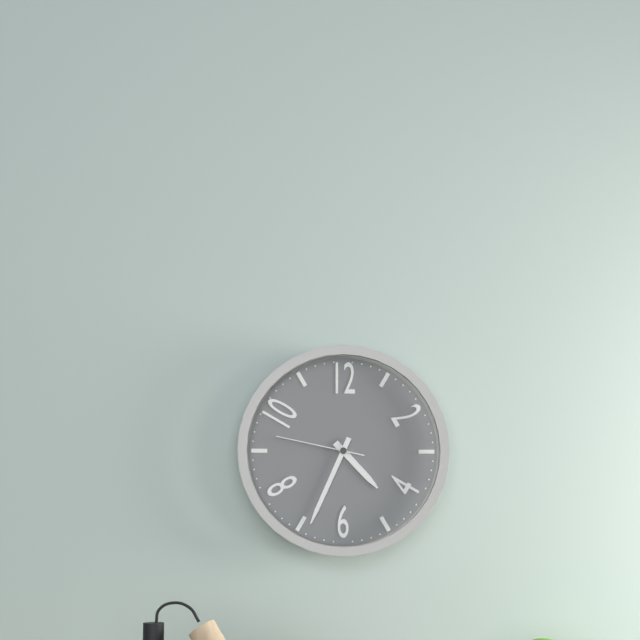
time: 4.34.47
